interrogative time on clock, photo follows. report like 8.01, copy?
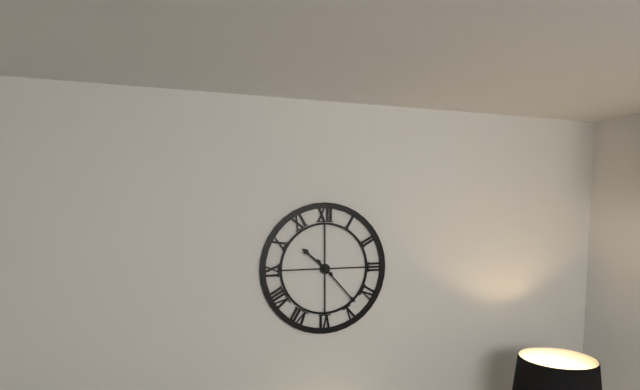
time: 10.23
